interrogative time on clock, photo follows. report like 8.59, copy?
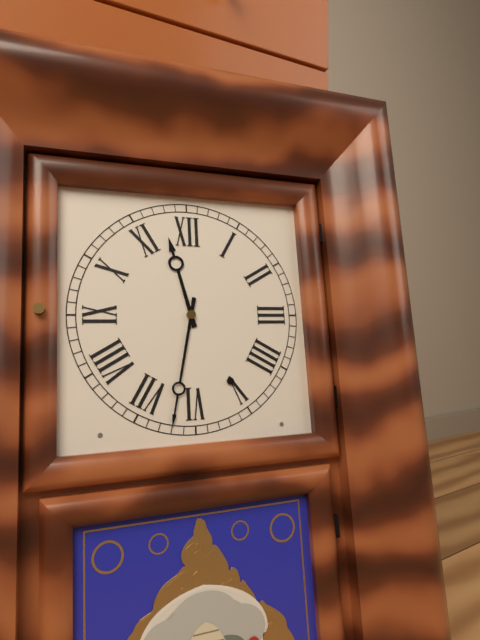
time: 11.32
